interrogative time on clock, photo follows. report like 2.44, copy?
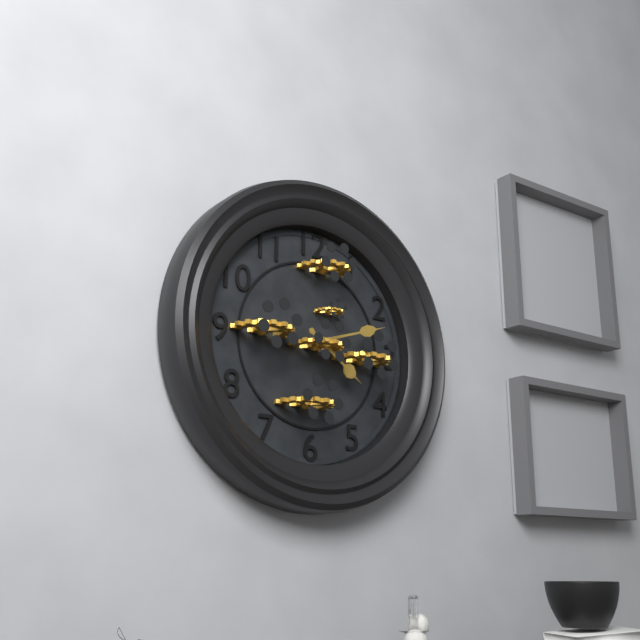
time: 4.12
